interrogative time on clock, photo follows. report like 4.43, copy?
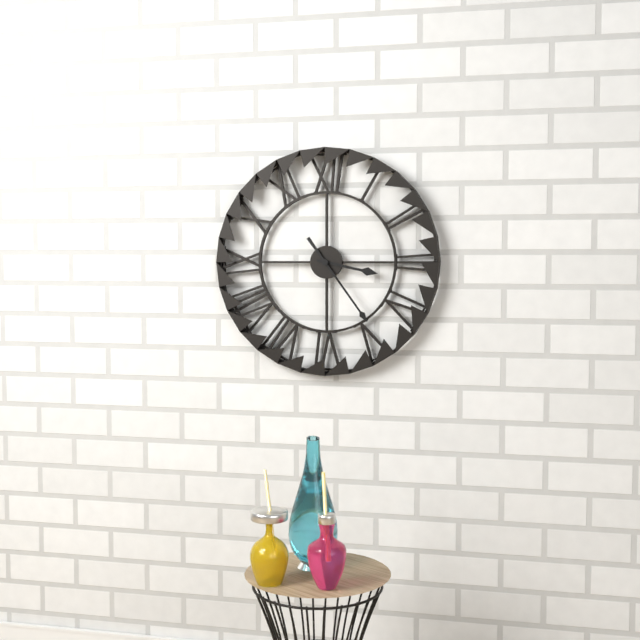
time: 3.24
